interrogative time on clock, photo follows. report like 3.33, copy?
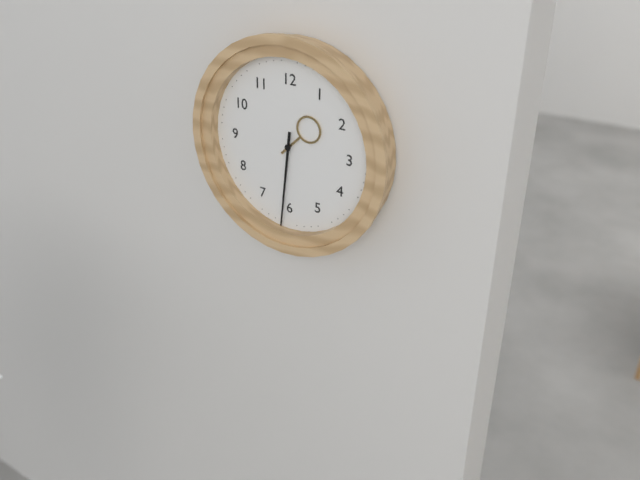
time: 1.31
